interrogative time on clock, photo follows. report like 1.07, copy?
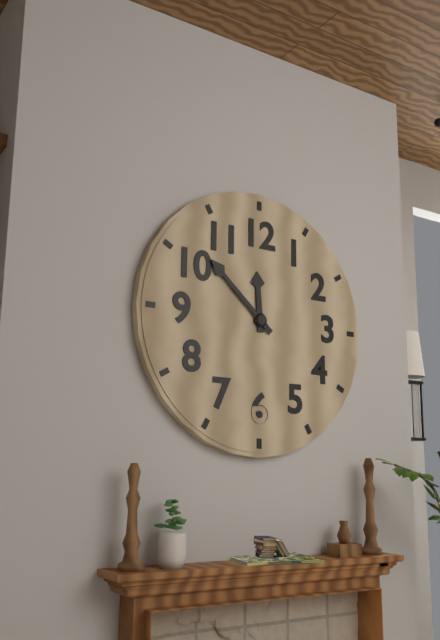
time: 11.52
